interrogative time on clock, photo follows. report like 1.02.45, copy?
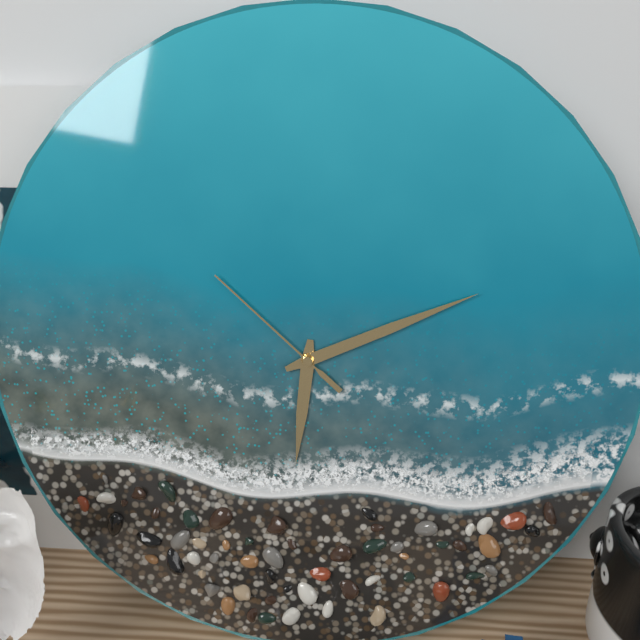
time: 6.11.52
